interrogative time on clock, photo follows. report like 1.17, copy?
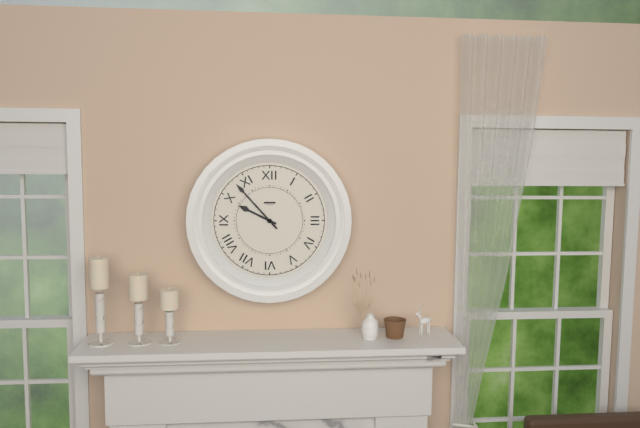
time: 9.53
